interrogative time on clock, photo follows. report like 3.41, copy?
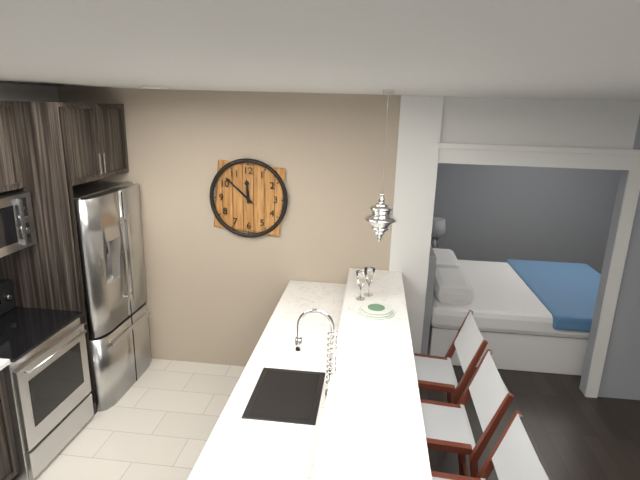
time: 11.52
